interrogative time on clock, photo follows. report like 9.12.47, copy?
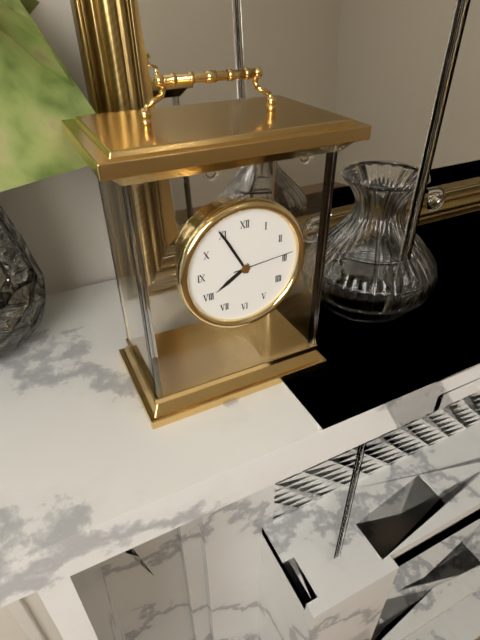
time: 7.55.14
